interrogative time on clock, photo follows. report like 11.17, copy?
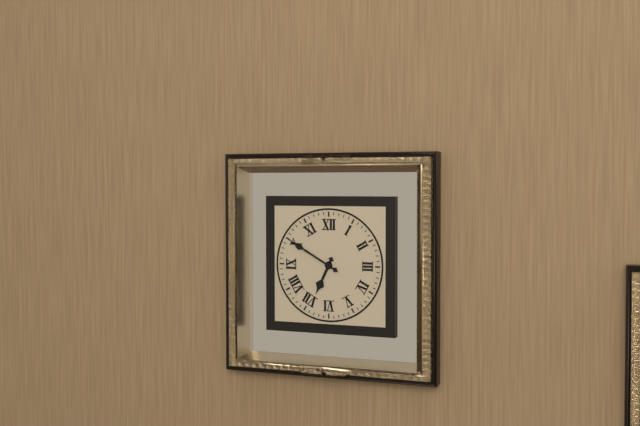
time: 6.50
